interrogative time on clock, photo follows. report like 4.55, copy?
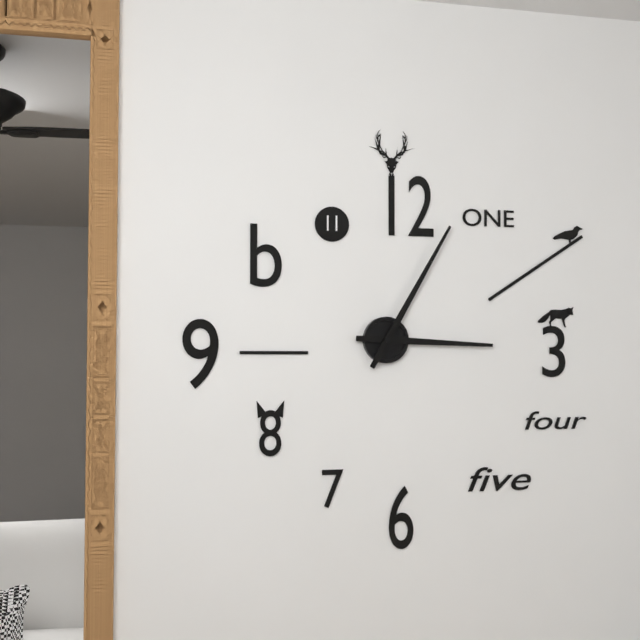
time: 3.05
